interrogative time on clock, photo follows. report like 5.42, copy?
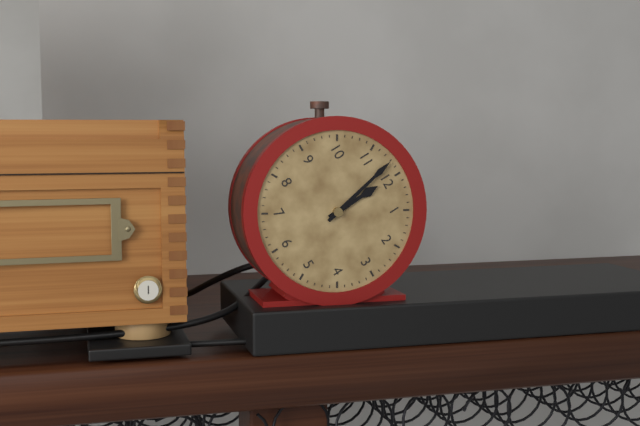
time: 11.58
